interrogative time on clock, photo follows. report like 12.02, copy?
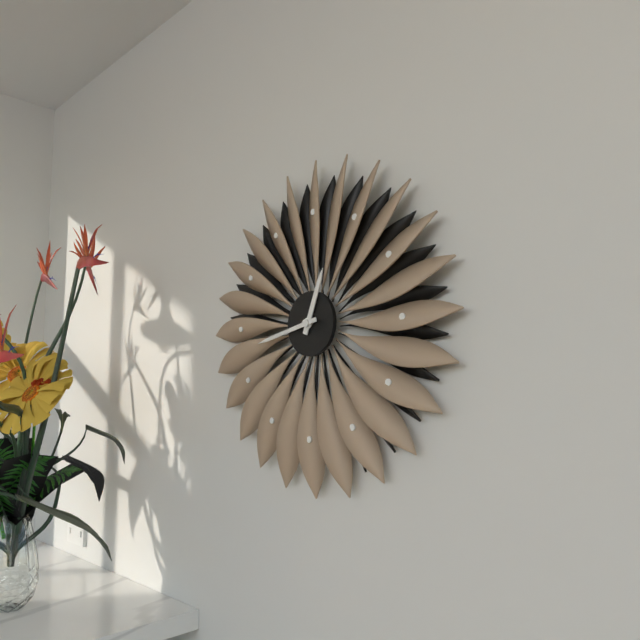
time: 12.43
